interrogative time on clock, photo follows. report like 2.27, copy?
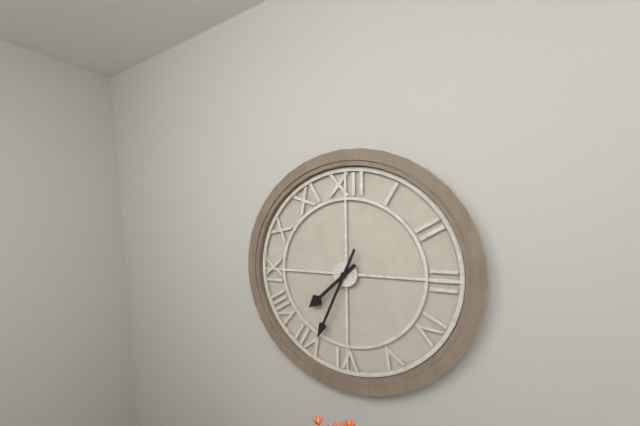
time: 7.34
